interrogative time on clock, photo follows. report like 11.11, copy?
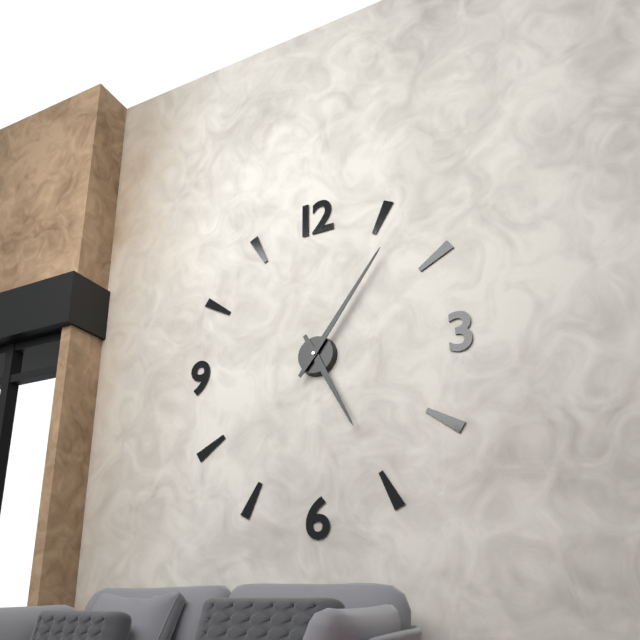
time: 5.06
